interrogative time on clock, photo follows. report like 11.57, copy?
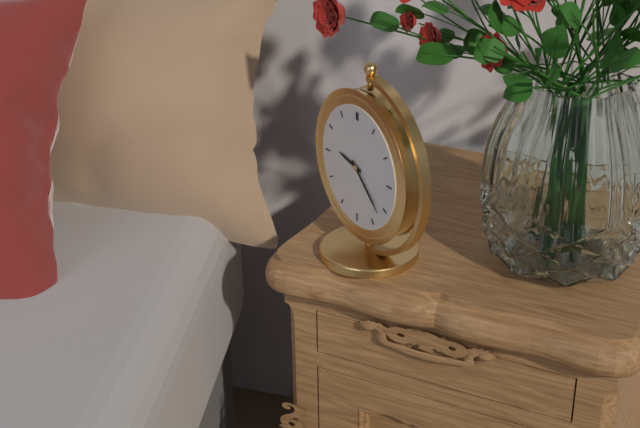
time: 9.22
